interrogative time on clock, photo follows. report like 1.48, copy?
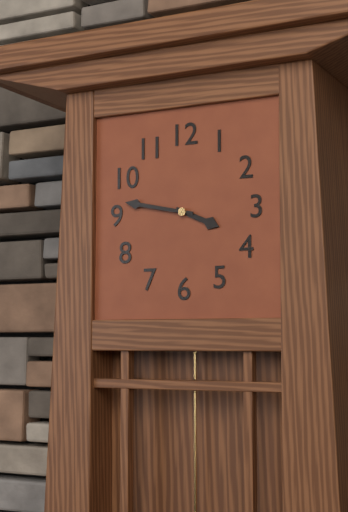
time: 3.47
